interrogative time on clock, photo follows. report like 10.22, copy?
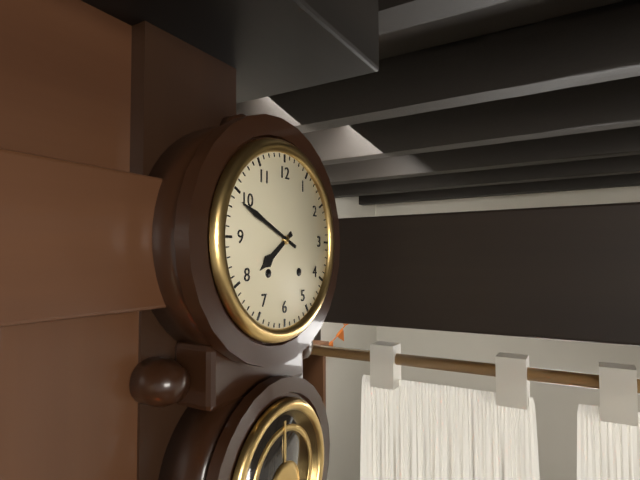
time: 7.49
